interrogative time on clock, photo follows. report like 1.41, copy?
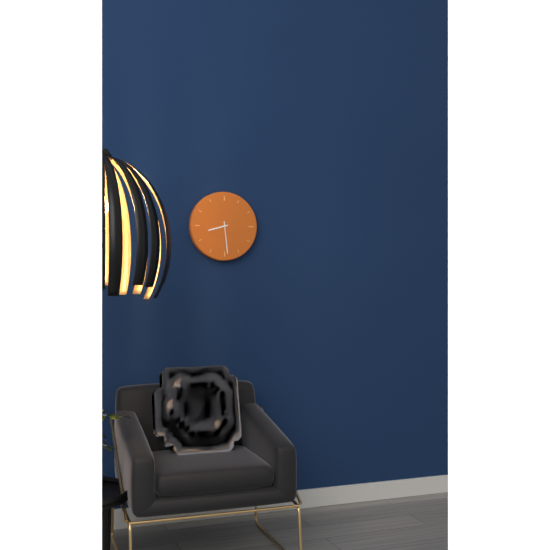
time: 8.29
